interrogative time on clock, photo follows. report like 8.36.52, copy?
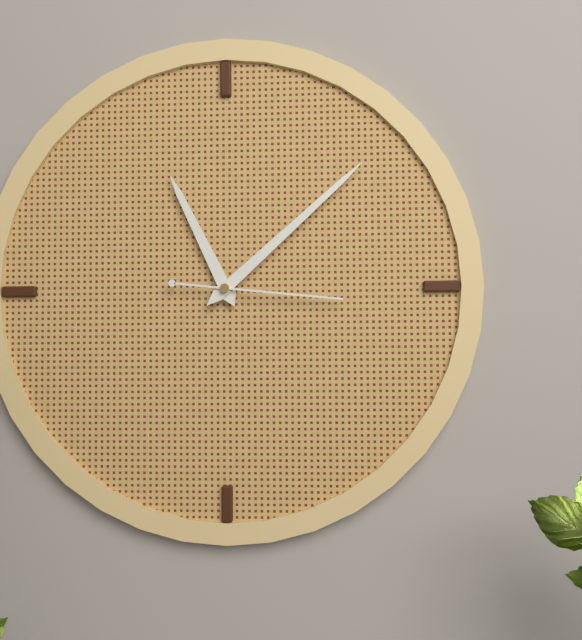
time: 11.08.16
